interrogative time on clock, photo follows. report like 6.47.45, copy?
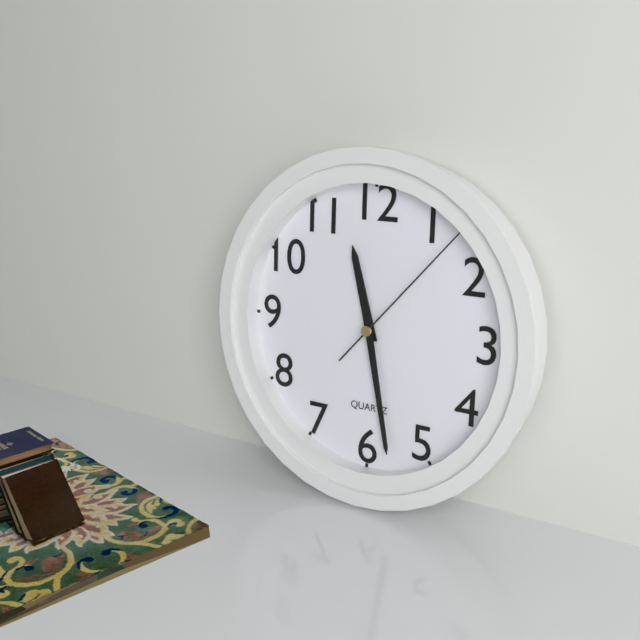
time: 11.28.07
